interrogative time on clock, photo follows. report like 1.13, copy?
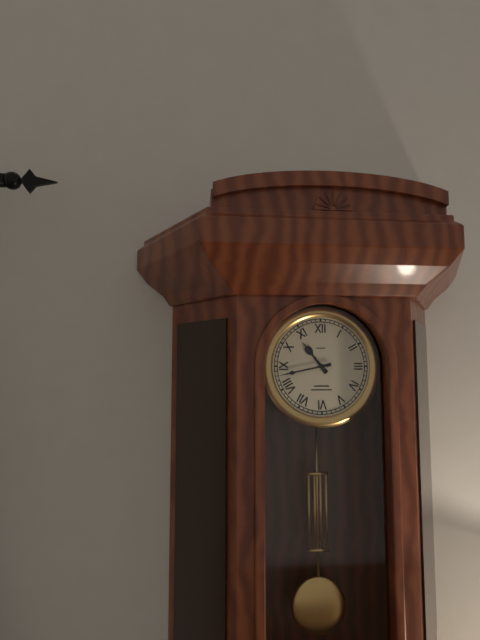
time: 10.43
